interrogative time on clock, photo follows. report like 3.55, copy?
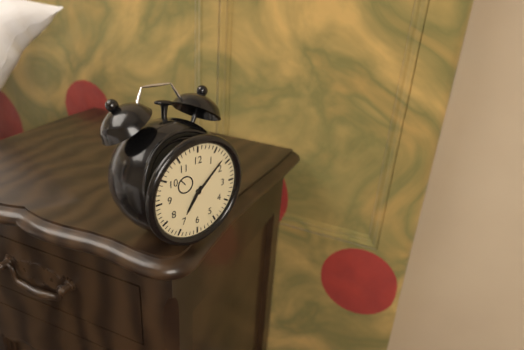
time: 7.08
